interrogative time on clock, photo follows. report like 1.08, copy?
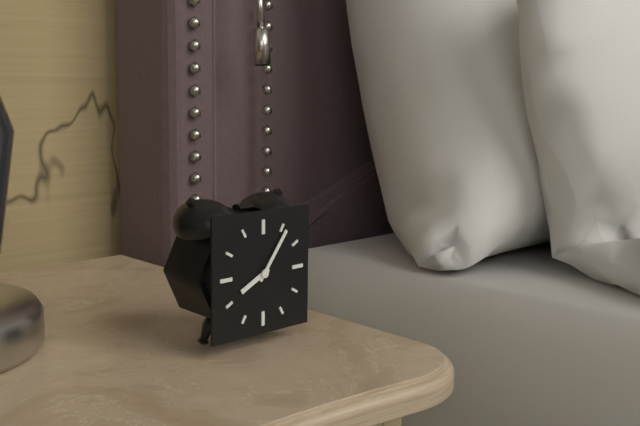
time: 8.06
